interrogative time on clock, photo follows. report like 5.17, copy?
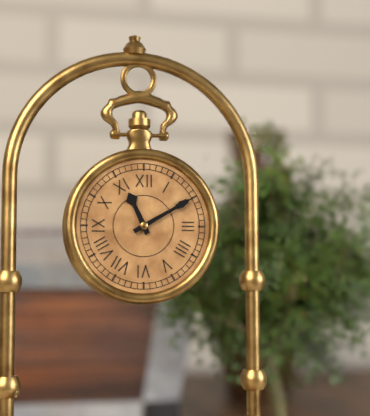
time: 11.10
